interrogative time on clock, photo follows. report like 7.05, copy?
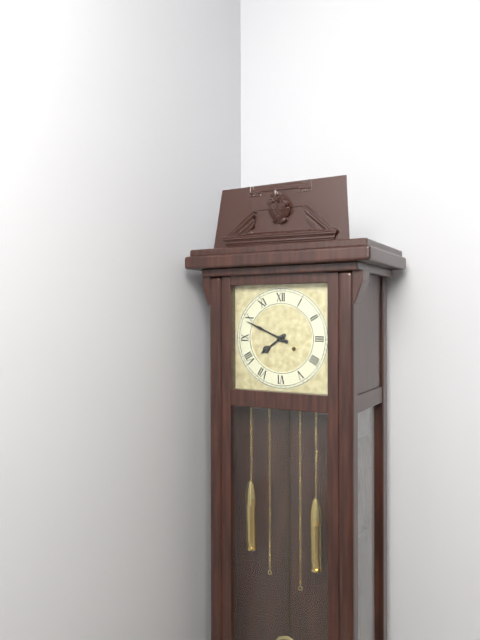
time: 7.49
